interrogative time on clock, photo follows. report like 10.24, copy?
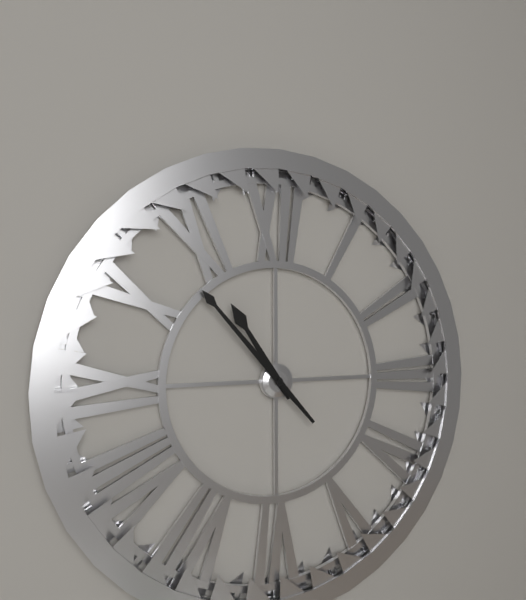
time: 10.53
